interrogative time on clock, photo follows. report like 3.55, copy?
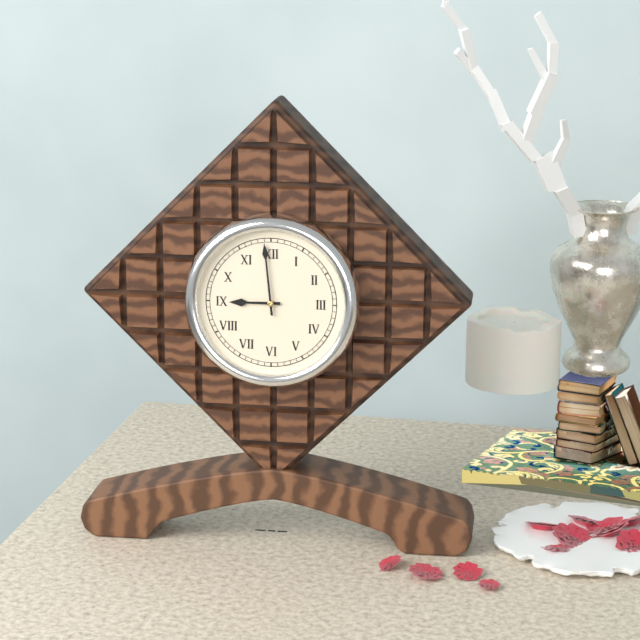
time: 8.59
